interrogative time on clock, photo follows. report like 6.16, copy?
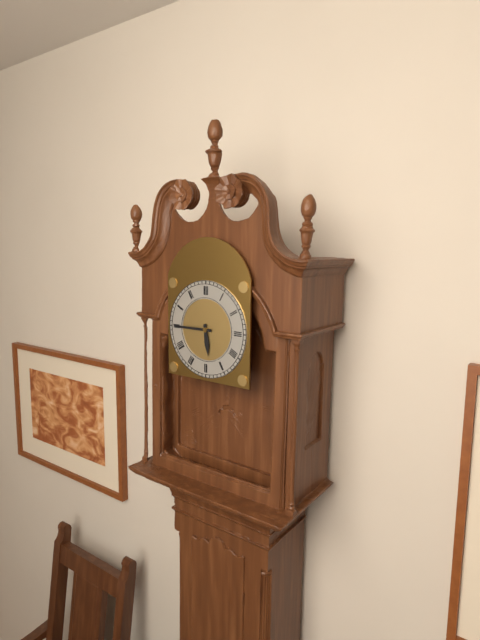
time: 5.45
